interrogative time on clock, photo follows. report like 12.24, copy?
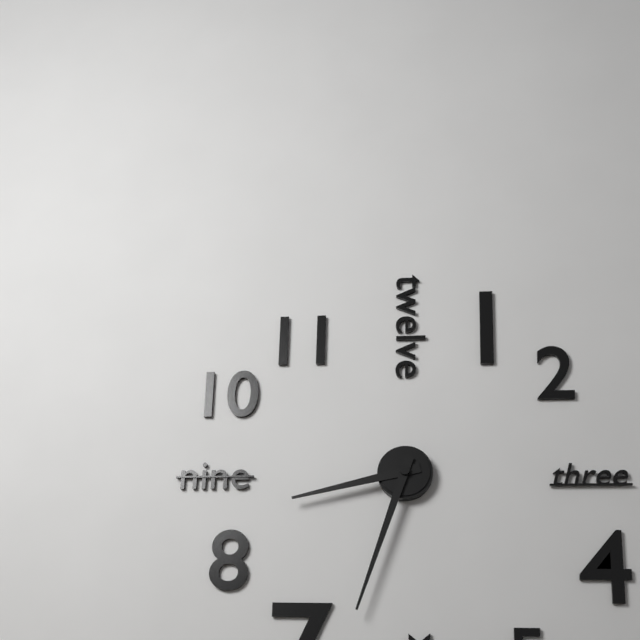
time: 8.33
